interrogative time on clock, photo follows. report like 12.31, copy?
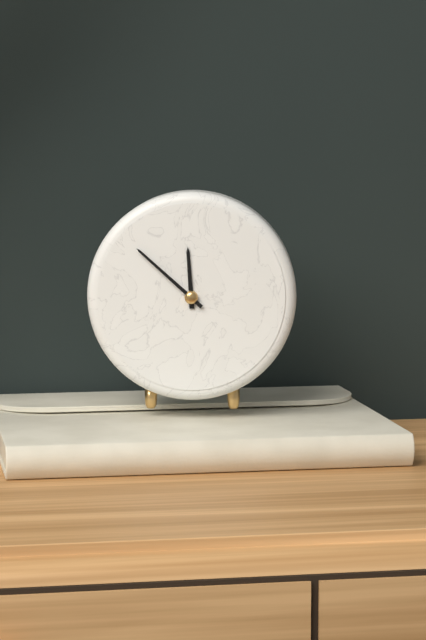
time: 11.52
